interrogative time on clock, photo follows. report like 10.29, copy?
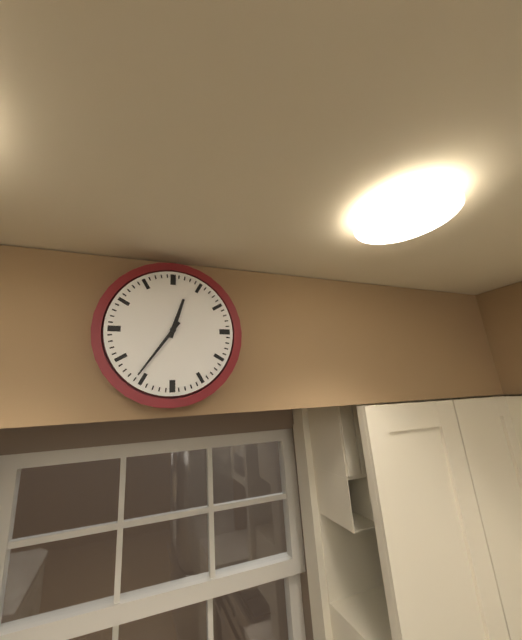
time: 12.36
